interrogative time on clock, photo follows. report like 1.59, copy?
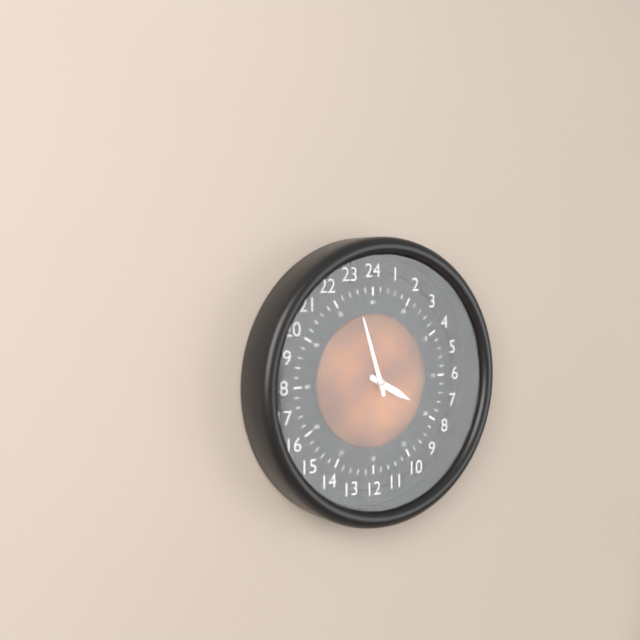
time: 3.57
